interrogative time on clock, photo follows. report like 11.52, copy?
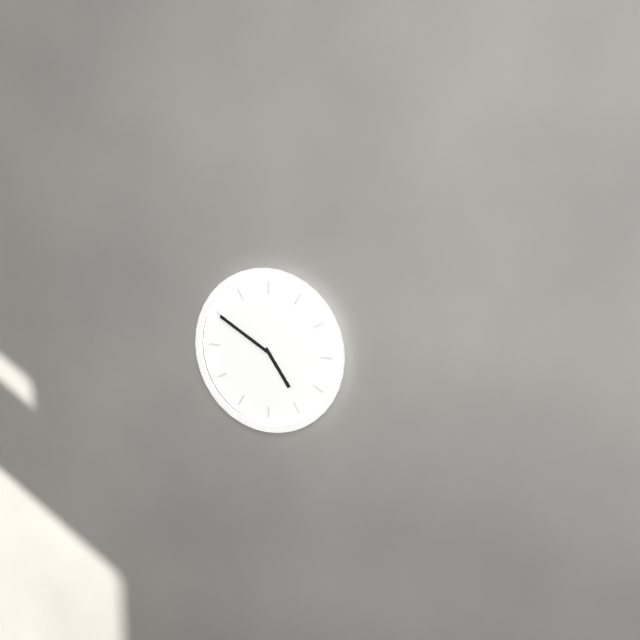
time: 4.50
